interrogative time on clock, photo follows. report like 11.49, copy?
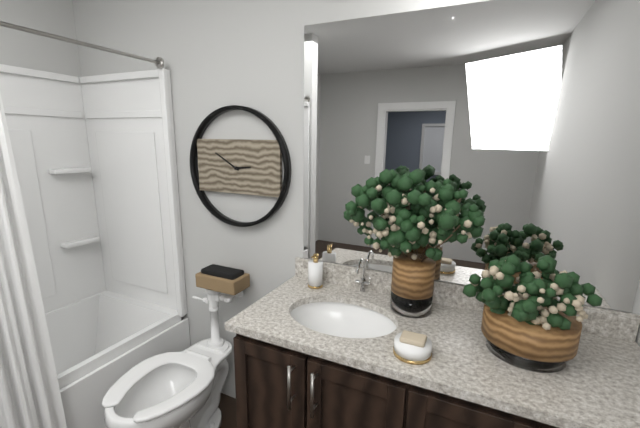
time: 2.50
